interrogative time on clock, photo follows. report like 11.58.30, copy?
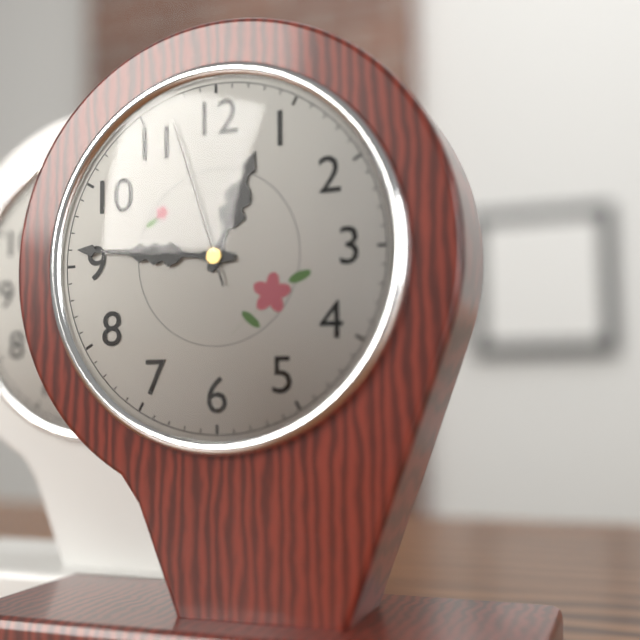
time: 12.46.57
